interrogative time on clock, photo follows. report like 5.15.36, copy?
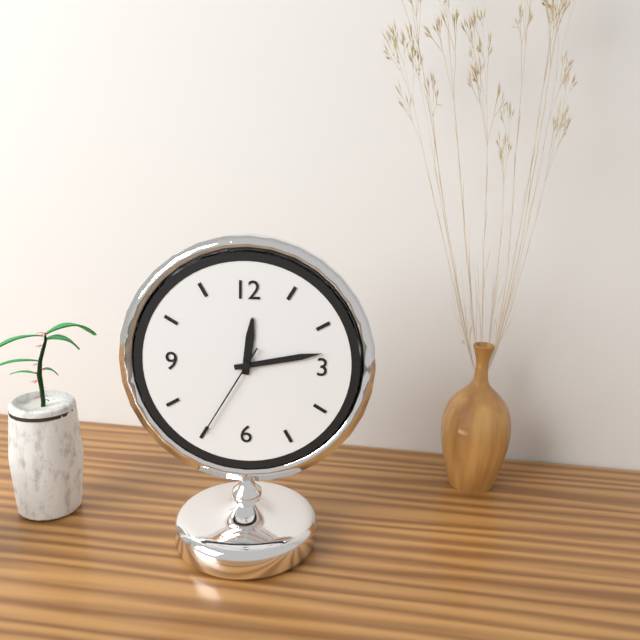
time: 12.13.35
